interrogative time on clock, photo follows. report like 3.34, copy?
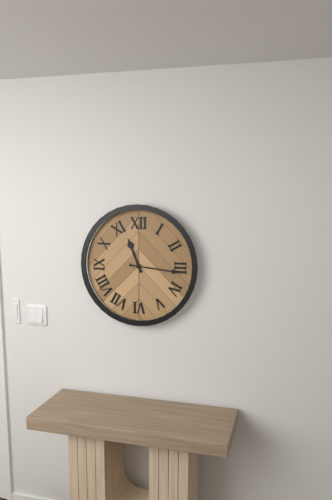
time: 11.16
